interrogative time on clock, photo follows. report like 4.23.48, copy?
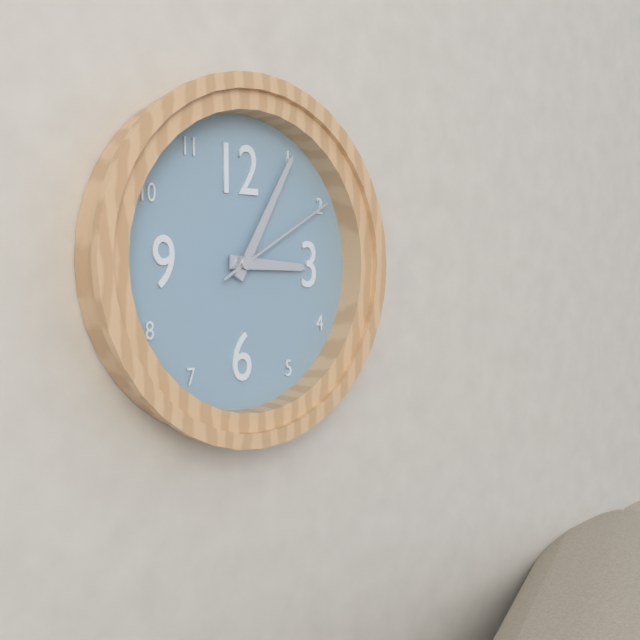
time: 3.05.10
